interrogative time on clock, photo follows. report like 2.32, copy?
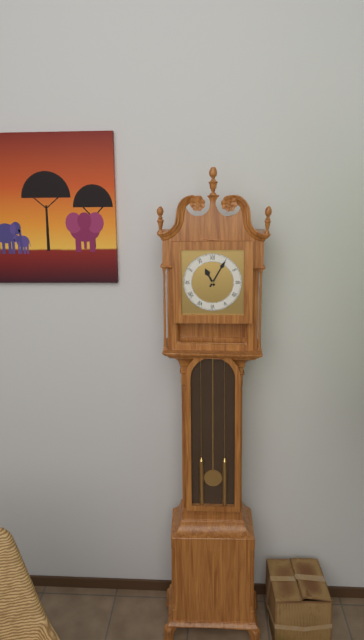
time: 11.05
